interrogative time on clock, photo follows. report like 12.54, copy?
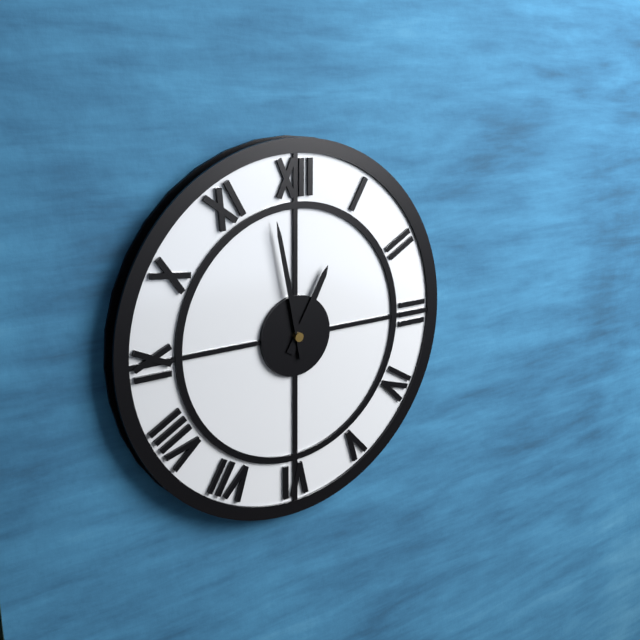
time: 12.58
